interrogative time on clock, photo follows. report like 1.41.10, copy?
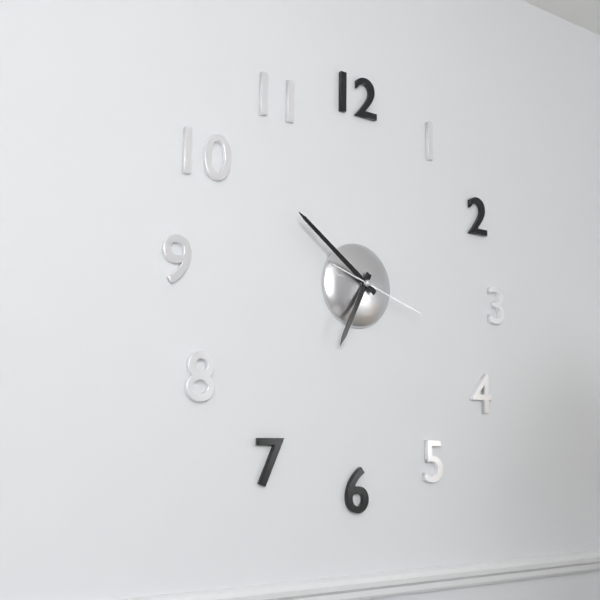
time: 6.51.18
